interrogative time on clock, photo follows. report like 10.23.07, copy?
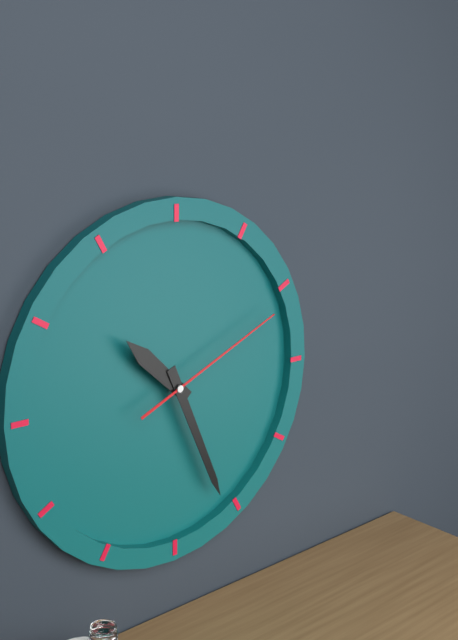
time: 10.26.11
